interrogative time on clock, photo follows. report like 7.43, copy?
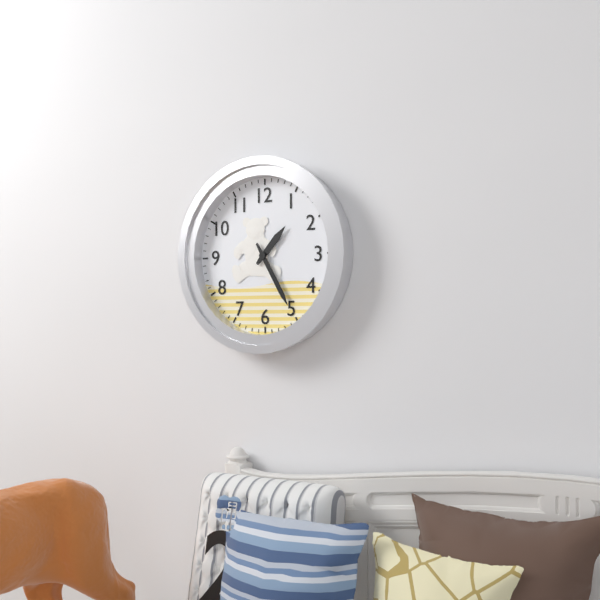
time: 1.25
